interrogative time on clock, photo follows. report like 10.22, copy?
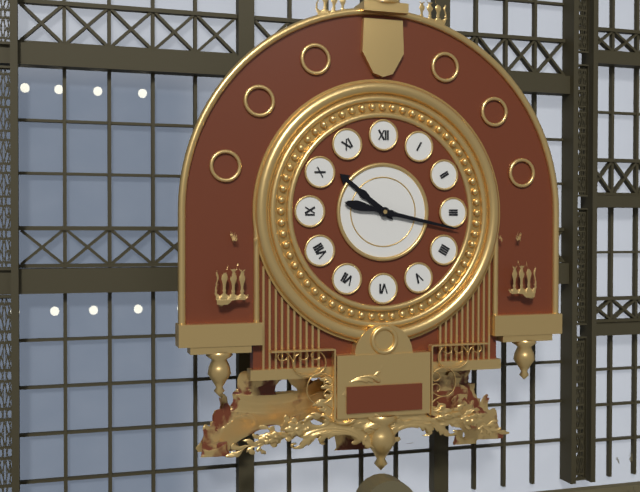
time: 10.17
